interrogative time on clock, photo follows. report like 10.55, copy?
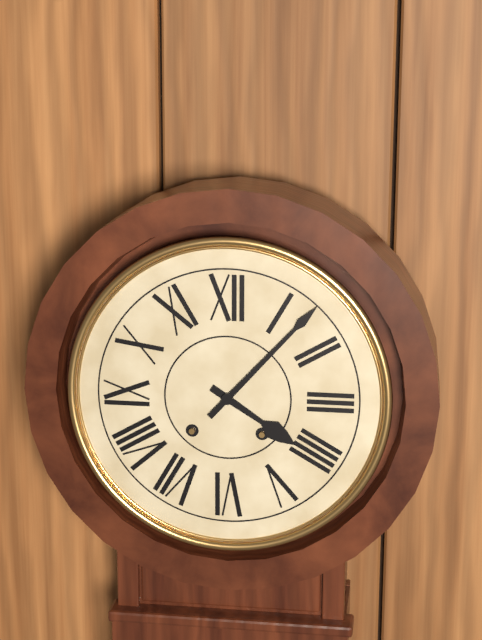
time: 4.07
